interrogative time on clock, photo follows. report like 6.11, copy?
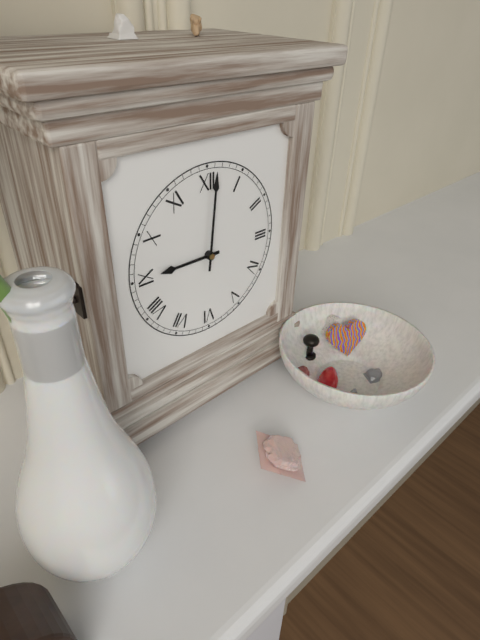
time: 9.01
